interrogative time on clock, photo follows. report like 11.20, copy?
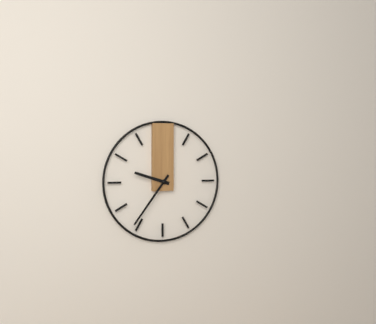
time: 9.36
